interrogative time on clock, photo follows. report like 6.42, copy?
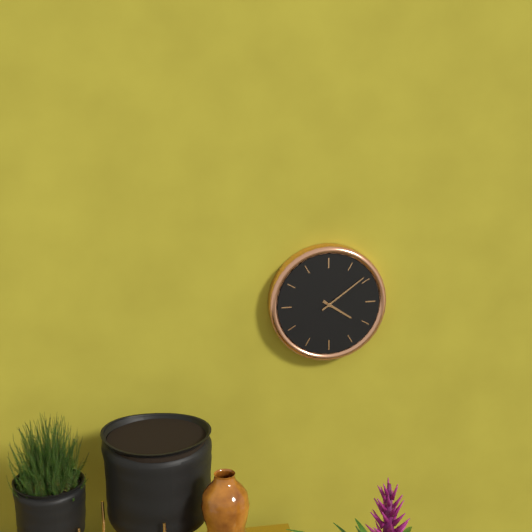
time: 4.09
